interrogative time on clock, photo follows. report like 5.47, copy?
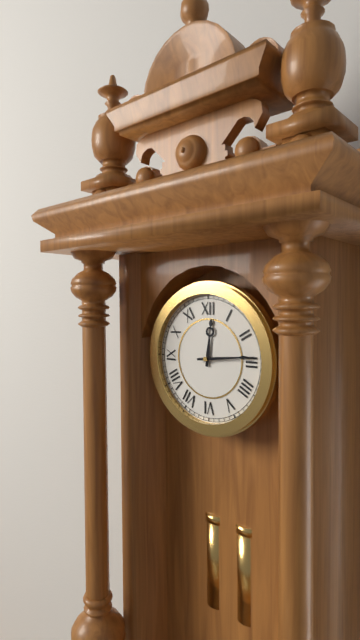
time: 12.14
